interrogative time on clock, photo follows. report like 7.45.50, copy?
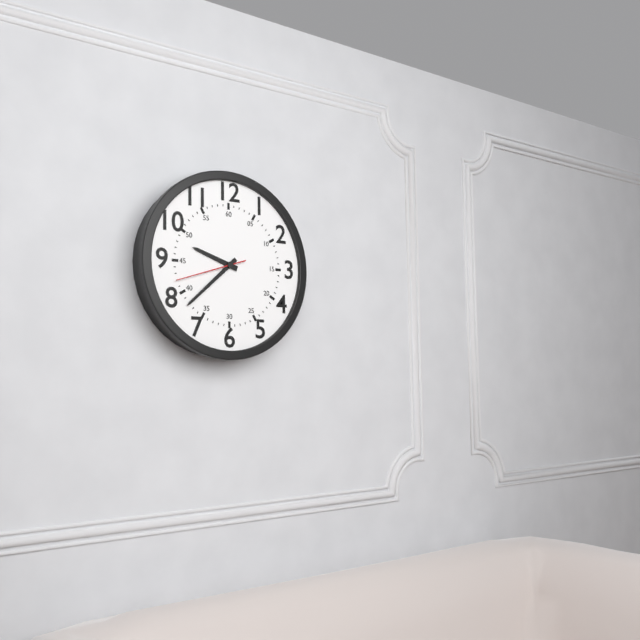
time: 9.38.42
